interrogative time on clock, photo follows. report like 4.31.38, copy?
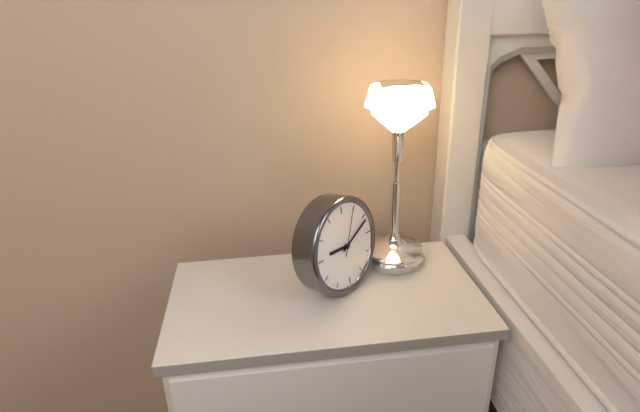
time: 9.11.04
